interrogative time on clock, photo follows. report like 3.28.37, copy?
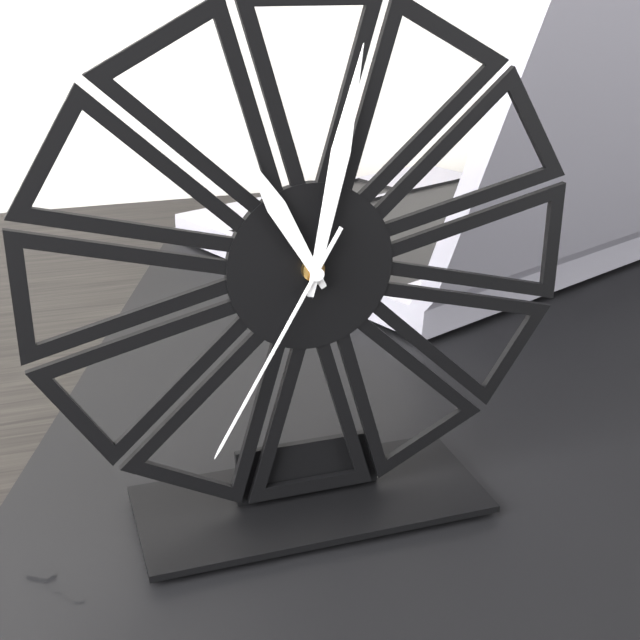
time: 11.02.35
